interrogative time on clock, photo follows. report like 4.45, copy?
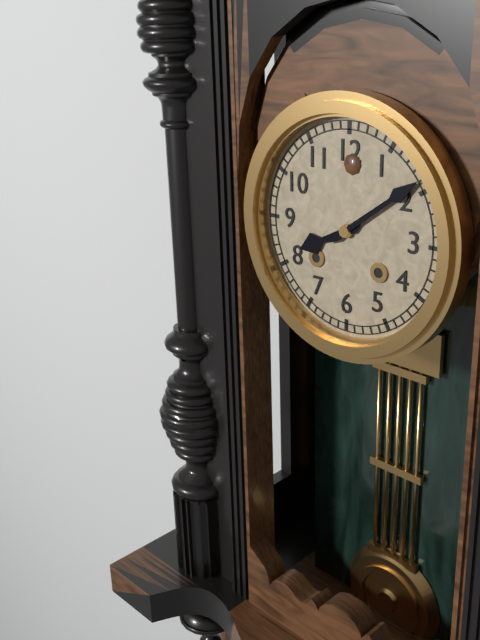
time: 8.09
